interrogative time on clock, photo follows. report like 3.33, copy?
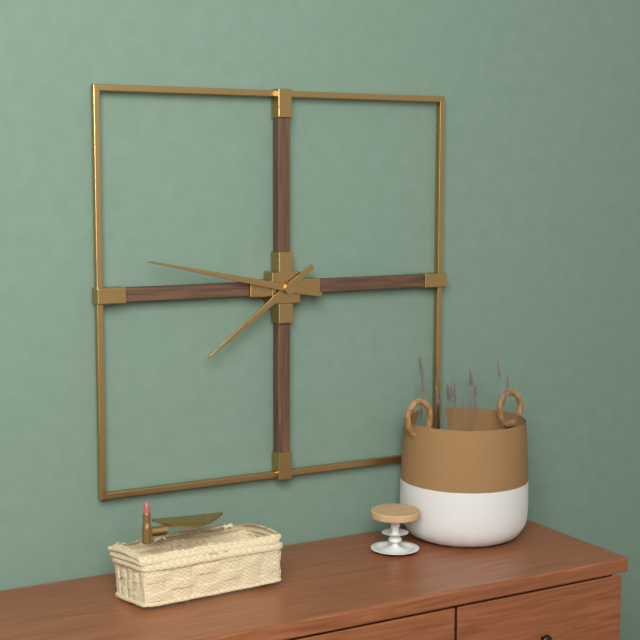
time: 7.47
